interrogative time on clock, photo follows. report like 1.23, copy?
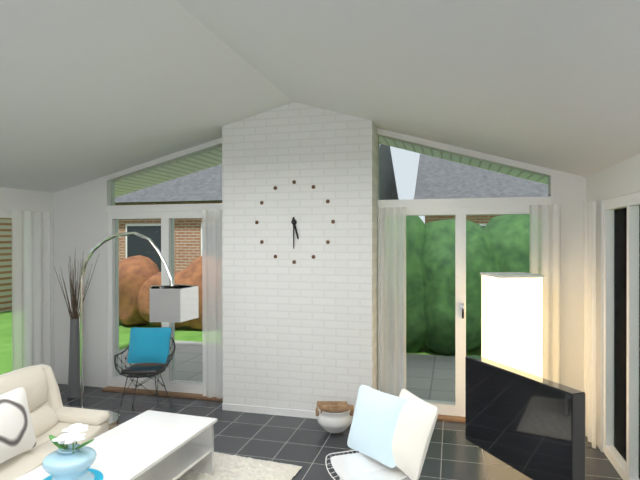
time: 5.30
